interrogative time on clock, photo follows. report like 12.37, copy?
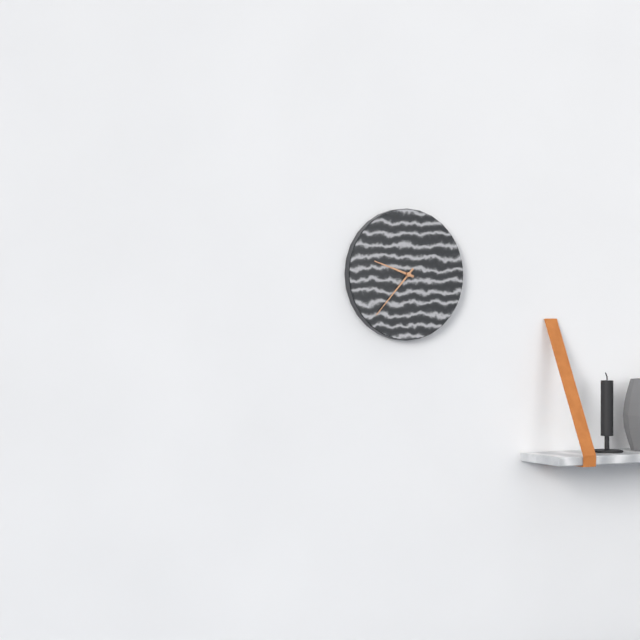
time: 9.37
